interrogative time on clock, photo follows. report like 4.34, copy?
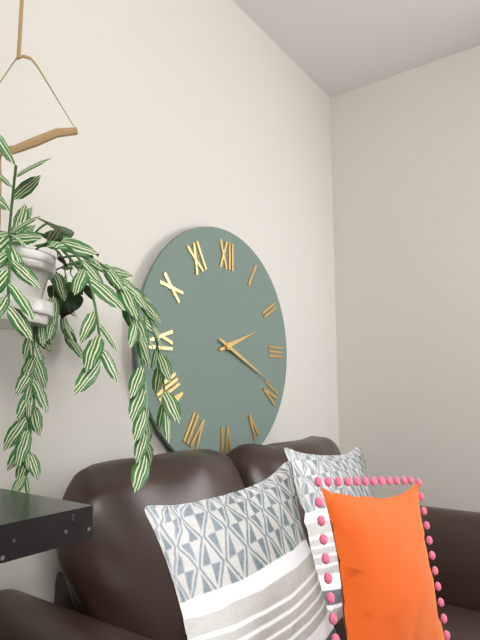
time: 2.19
